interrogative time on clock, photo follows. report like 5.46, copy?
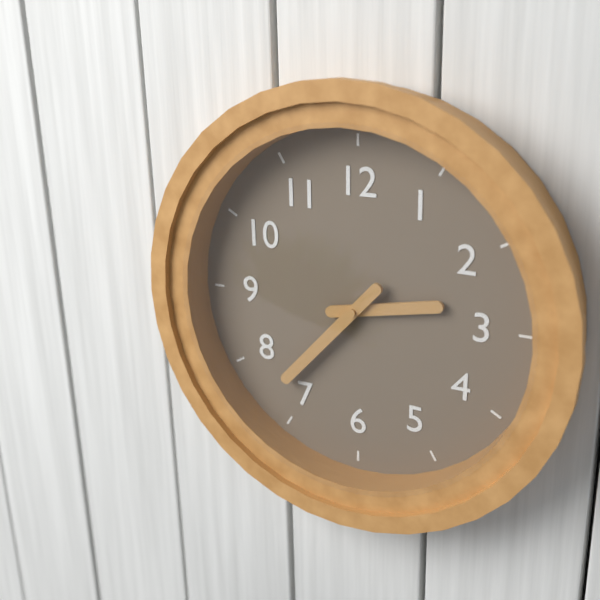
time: 2.37
